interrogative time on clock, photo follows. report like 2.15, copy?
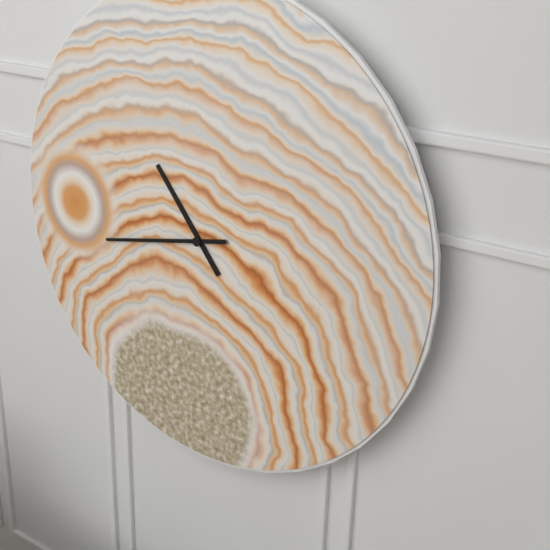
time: 10.43
